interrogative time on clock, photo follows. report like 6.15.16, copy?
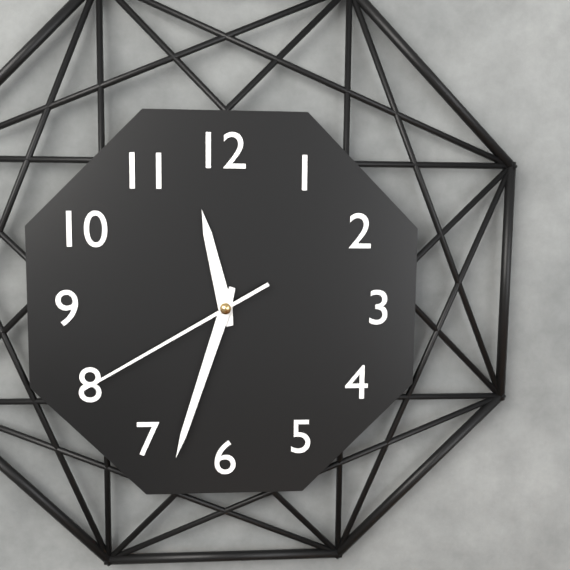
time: 11.33.40
